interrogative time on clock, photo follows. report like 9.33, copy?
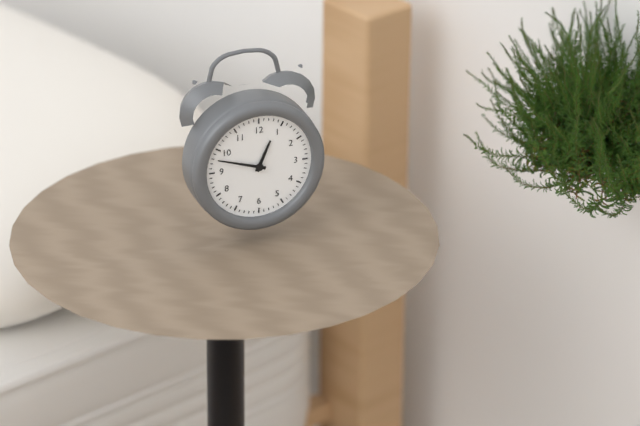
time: 12.48
